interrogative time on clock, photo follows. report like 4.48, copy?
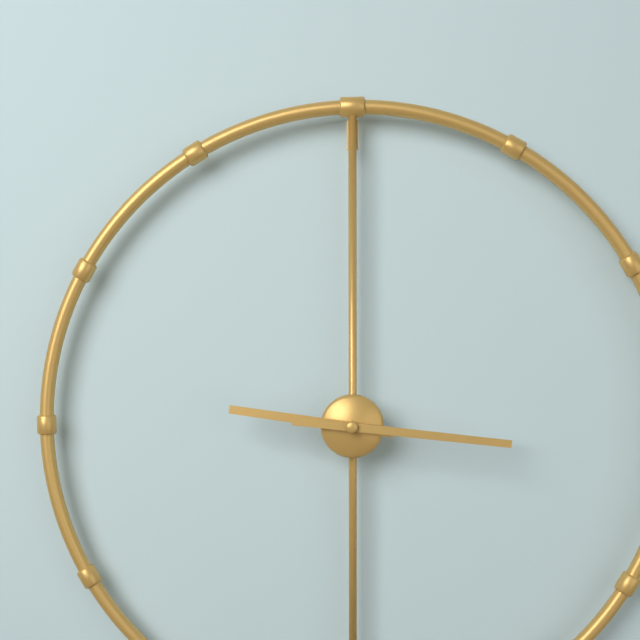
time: 9.16
